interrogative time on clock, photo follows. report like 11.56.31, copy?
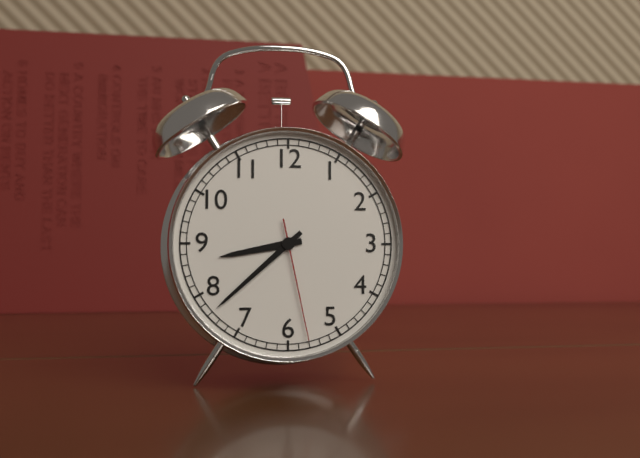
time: 8.38.28
